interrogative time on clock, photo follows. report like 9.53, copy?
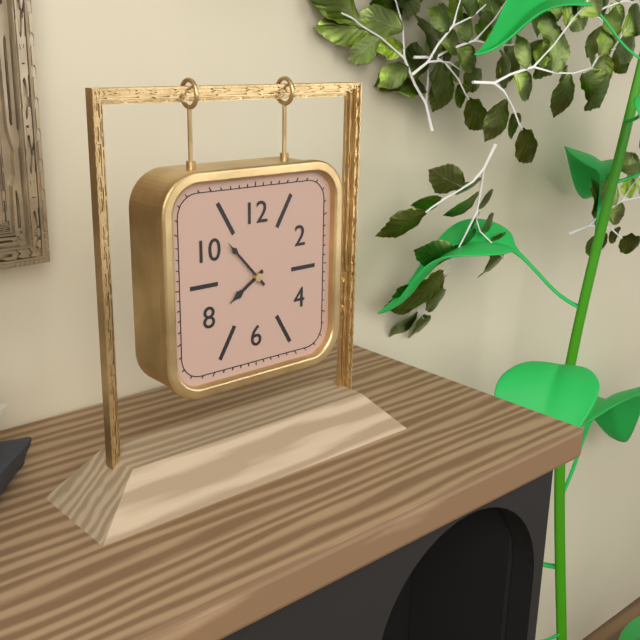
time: 7.53
